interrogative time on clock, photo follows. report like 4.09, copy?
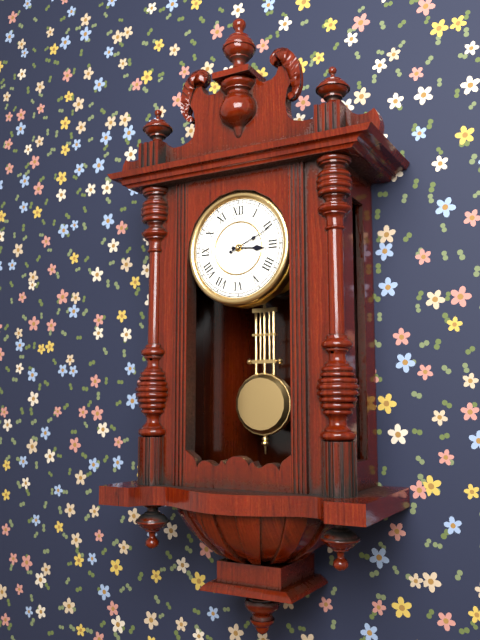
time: 3.11
